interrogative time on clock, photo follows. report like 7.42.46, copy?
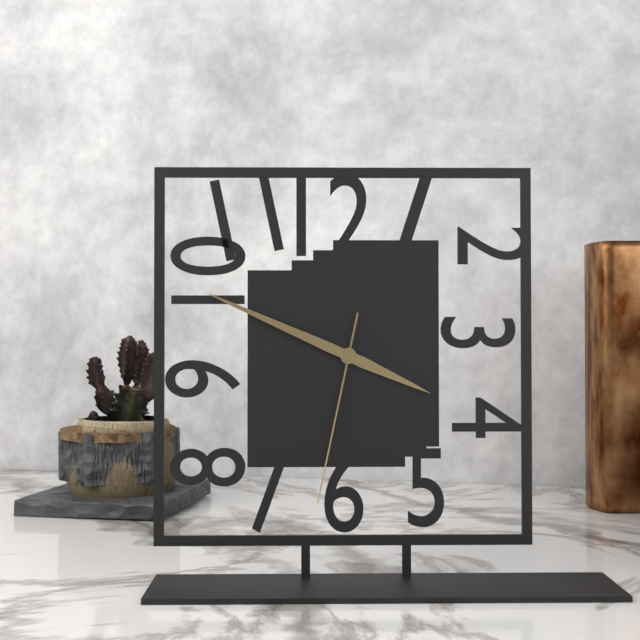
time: 3.49.32
